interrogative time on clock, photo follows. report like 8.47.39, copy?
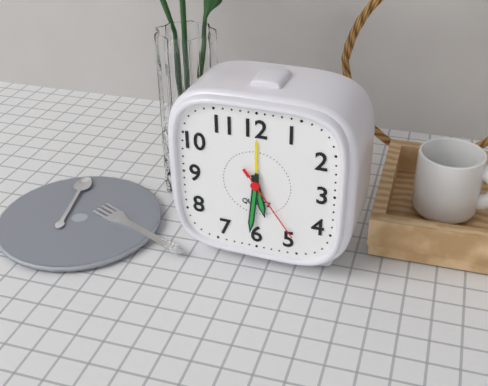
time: 5.31.24
